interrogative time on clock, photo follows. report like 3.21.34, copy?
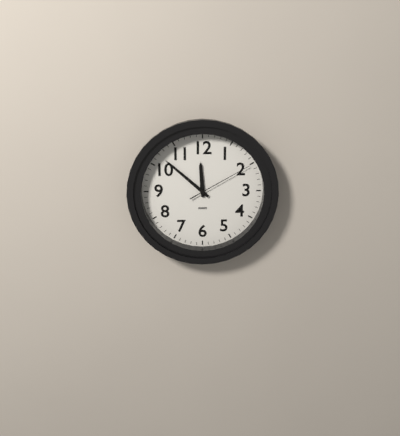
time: 11.52.10
